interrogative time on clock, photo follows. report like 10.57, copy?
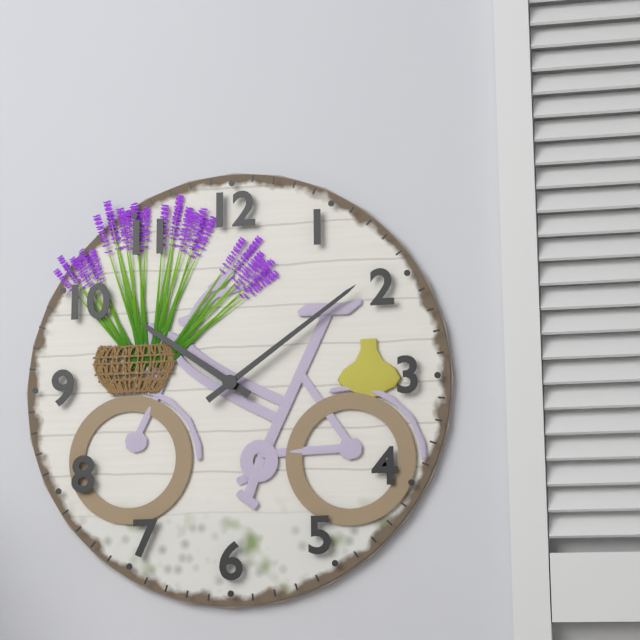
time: 10.09
